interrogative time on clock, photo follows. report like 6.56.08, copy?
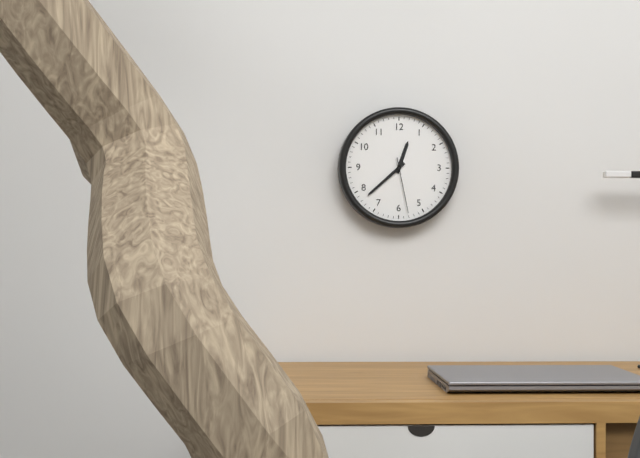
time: 12.38.28
